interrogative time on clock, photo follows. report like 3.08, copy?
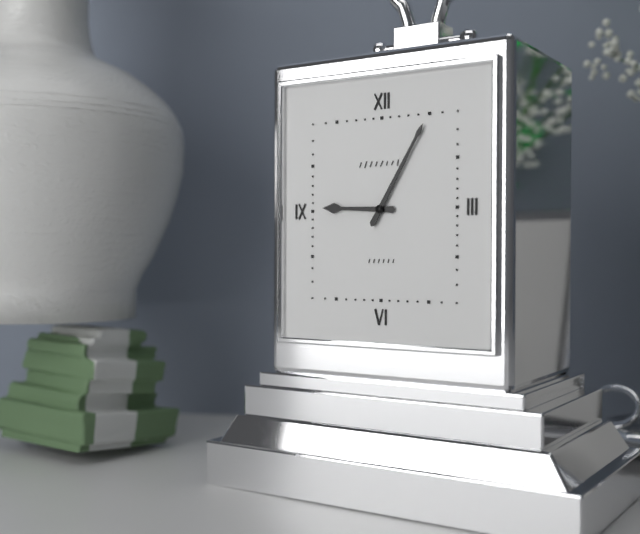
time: 9.05
